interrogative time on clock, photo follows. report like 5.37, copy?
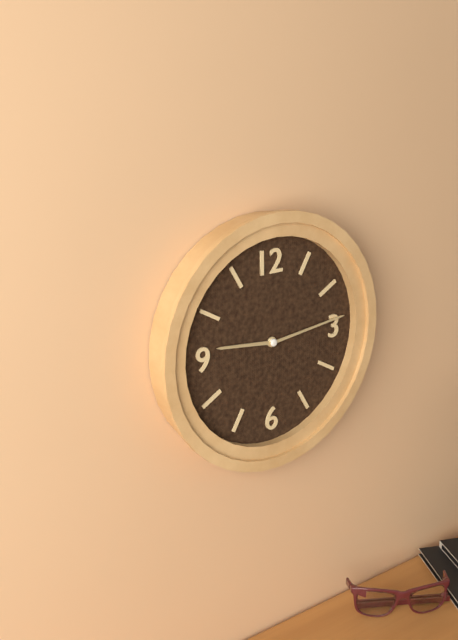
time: 9.14
